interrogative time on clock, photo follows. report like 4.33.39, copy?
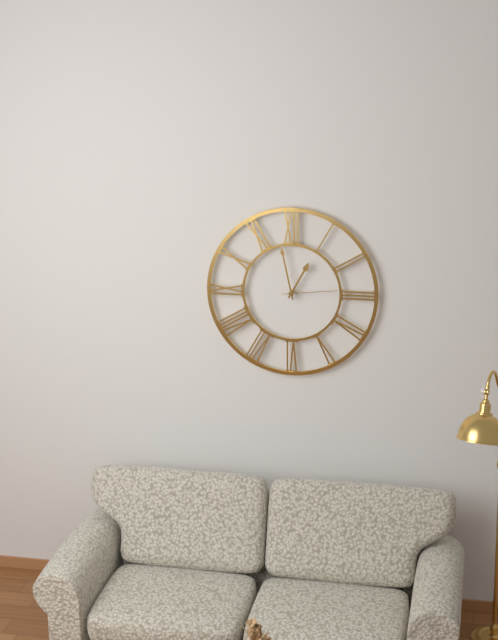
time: 12.58.14
